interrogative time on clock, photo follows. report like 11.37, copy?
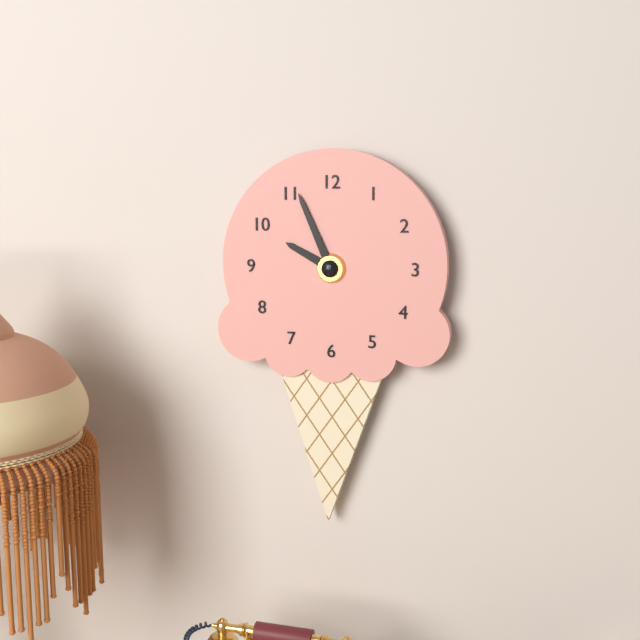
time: 9.56
